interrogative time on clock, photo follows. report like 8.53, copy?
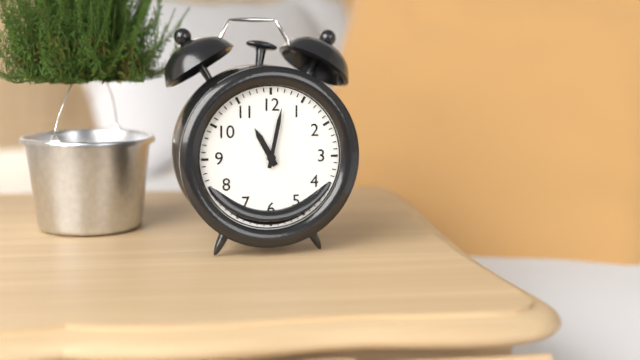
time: 11.02
